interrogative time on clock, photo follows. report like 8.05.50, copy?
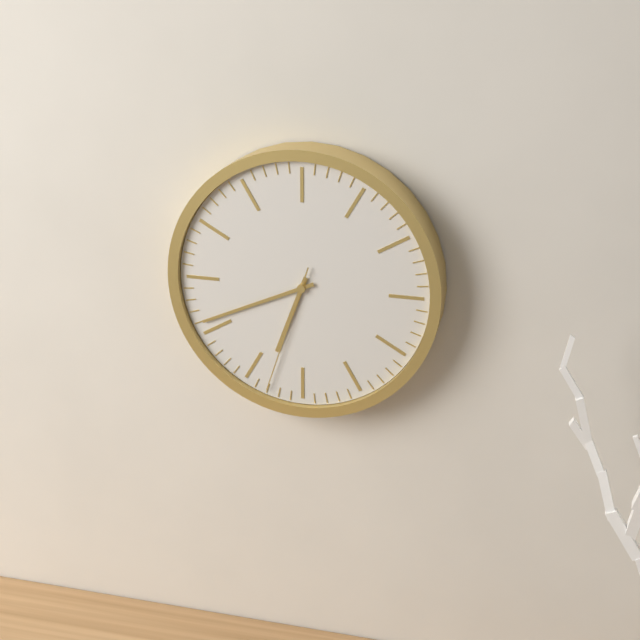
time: 6.41.33
